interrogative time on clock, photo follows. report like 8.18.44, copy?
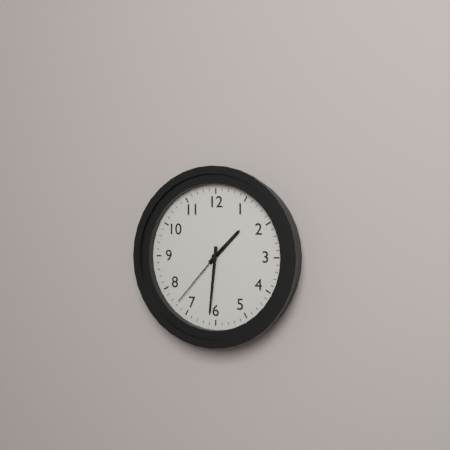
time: 1.31.37
